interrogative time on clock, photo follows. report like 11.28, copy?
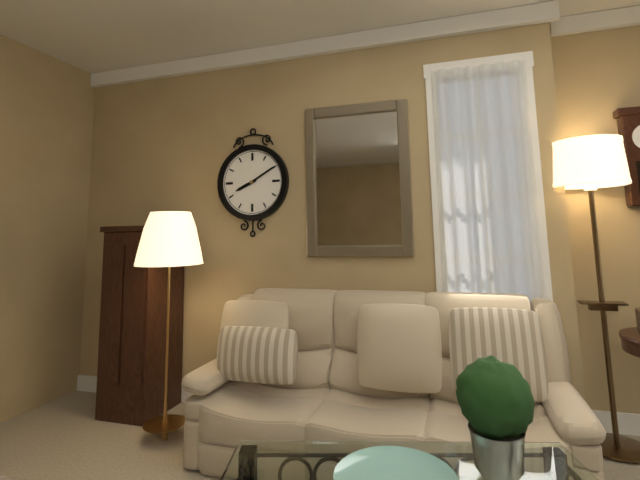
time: 8.10
